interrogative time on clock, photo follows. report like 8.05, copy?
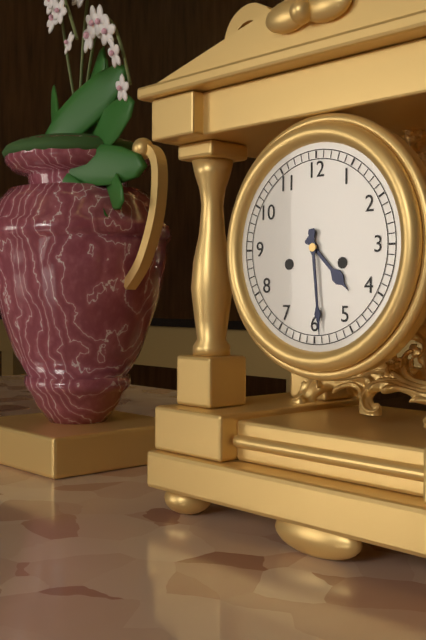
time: 4.29
